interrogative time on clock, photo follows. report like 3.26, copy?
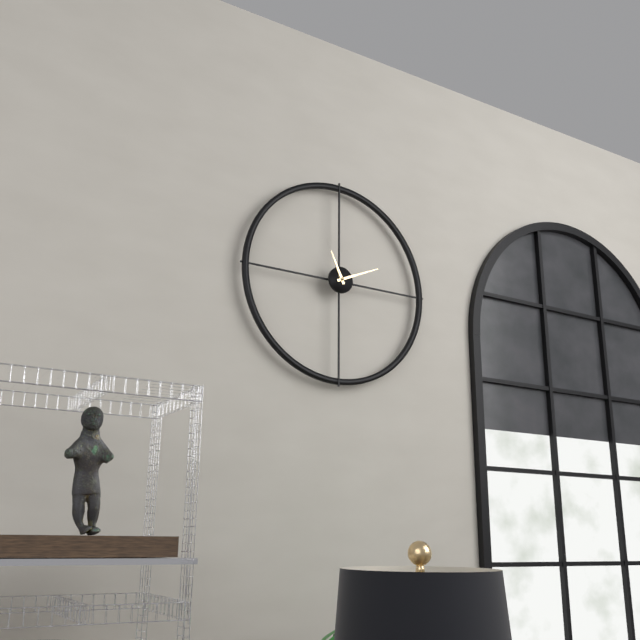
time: 11.11
